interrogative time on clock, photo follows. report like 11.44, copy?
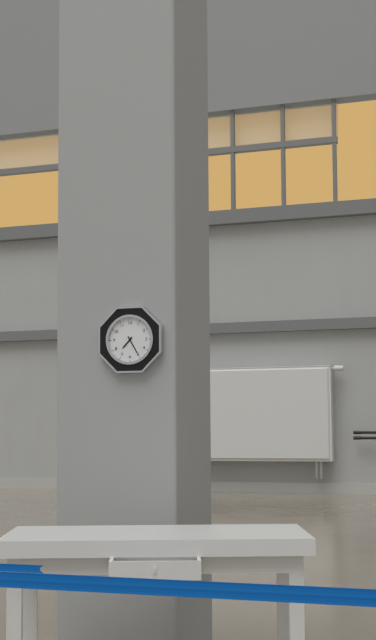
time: 7.25
